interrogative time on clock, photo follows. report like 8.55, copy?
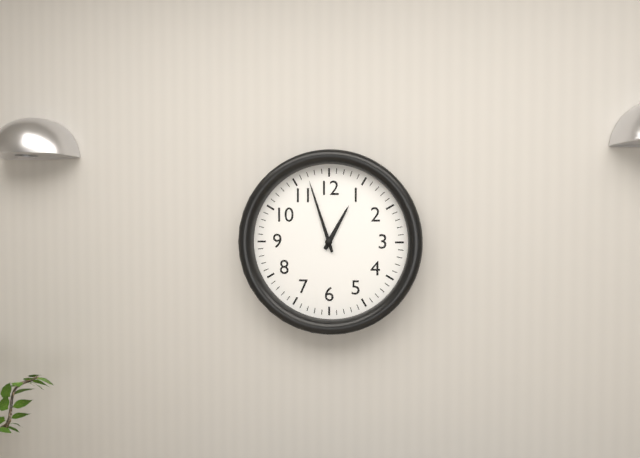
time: 12.57
